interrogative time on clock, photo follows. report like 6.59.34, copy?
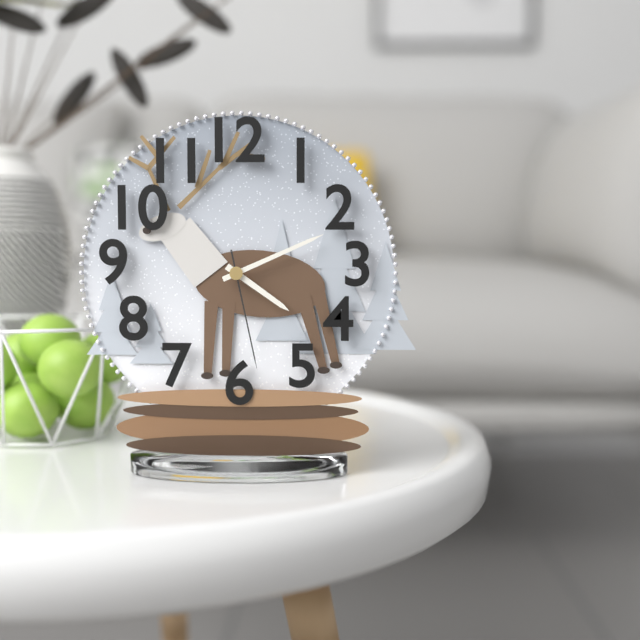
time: 4.11.28
